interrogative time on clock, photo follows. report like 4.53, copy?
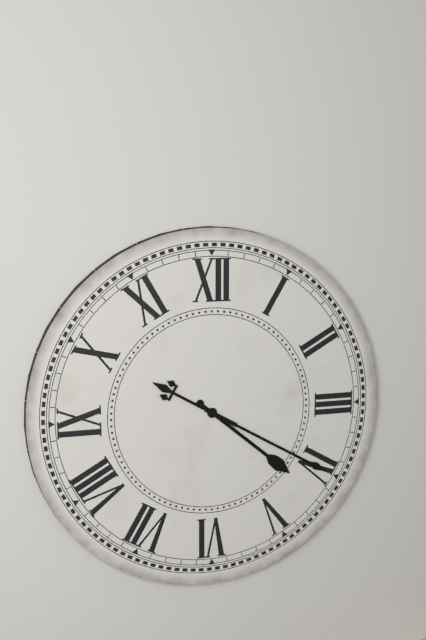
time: 4.20
